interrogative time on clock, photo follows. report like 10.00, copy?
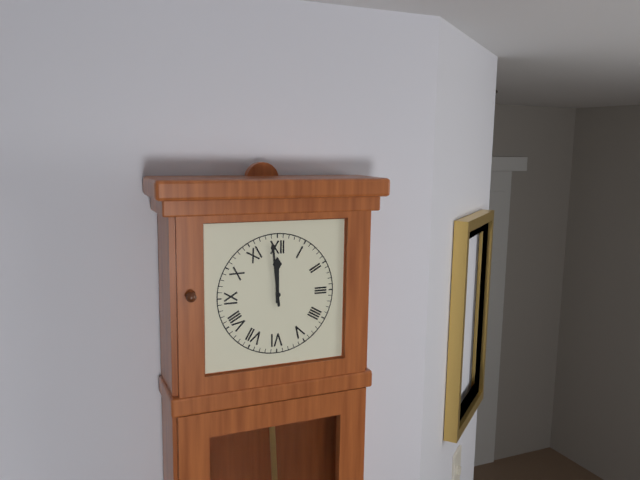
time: 11.59
